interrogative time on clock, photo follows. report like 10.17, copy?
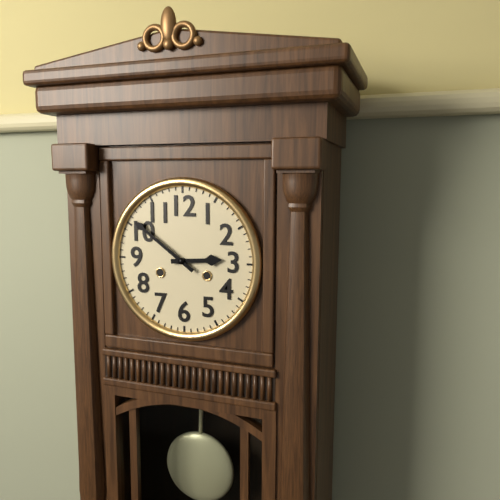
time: 2.51
